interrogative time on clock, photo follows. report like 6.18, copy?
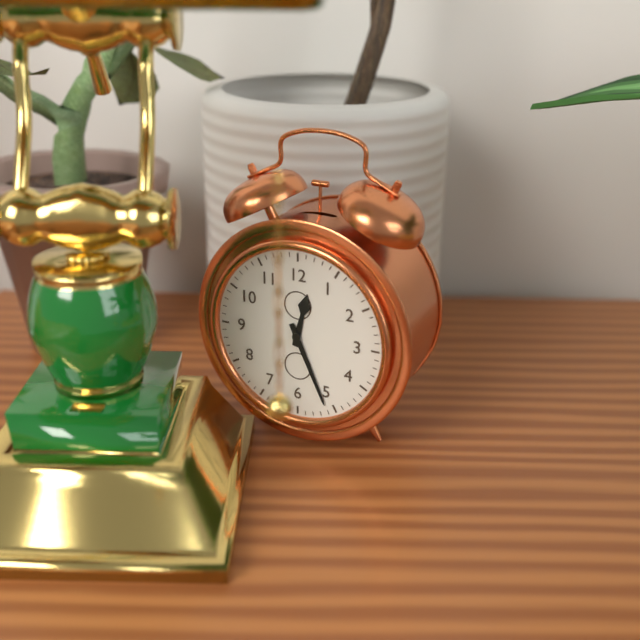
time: 12.26
